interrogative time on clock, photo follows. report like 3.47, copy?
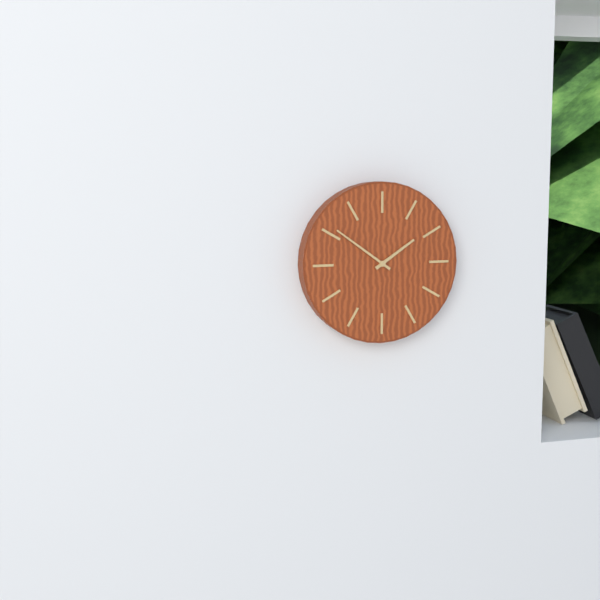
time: 1.51
